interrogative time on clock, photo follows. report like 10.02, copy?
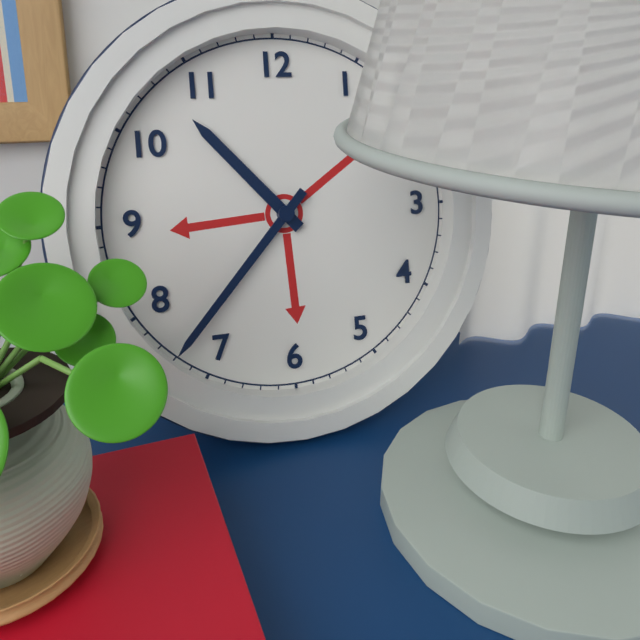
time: 10.37
